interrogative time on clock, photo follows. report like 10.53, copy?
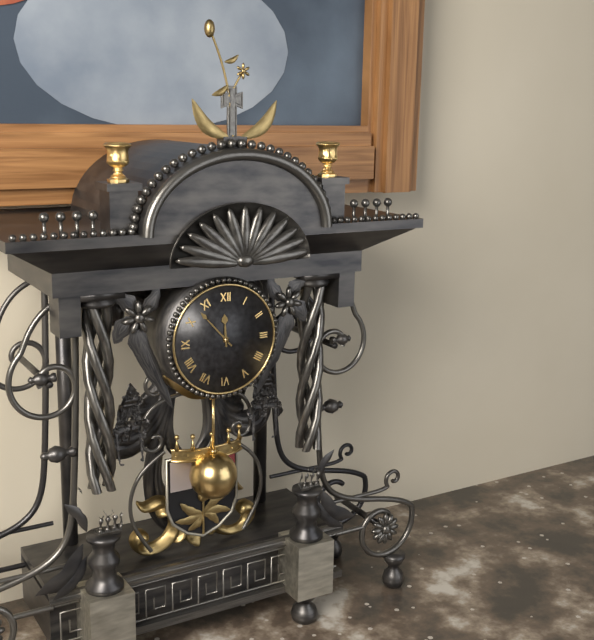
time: 11.53
